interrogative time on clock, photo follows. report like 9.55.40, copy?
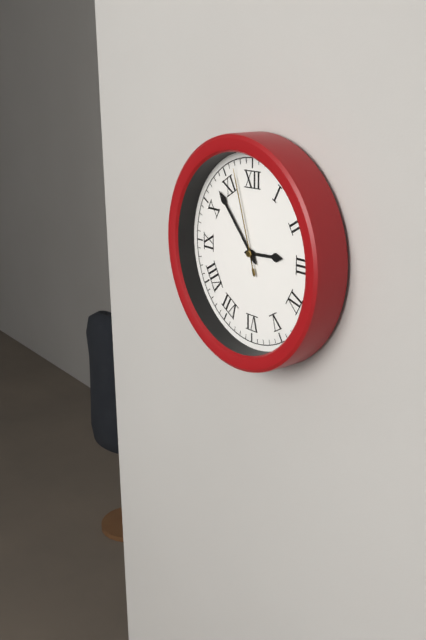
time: 2.53.57
